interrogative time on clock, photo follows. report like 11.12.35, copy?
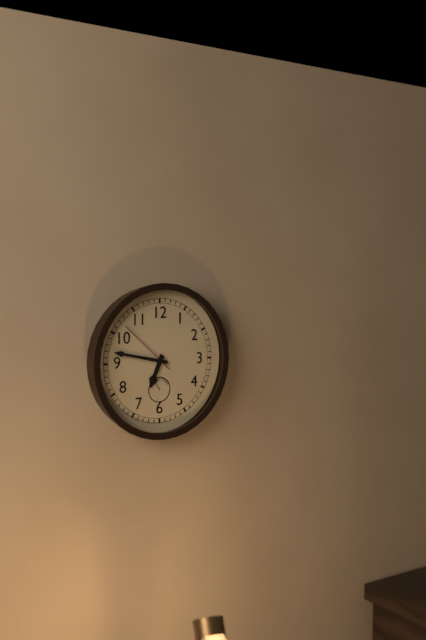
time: 6.47.52
